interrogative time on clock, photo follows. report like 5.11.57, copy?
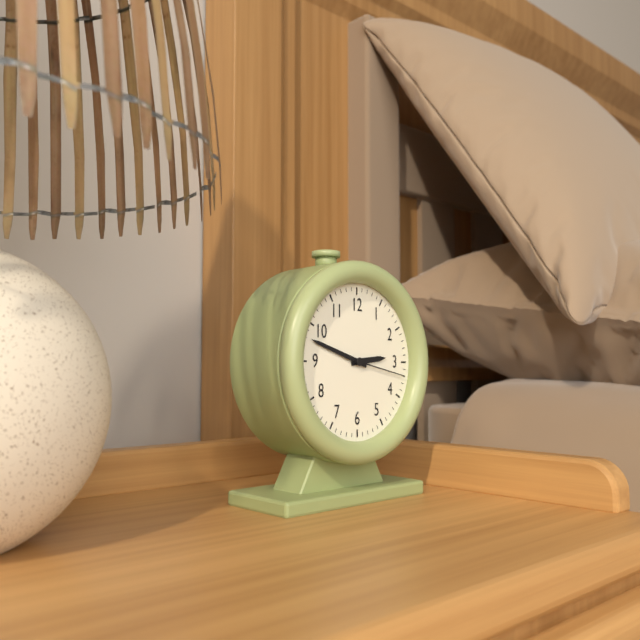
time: 2.48.17
